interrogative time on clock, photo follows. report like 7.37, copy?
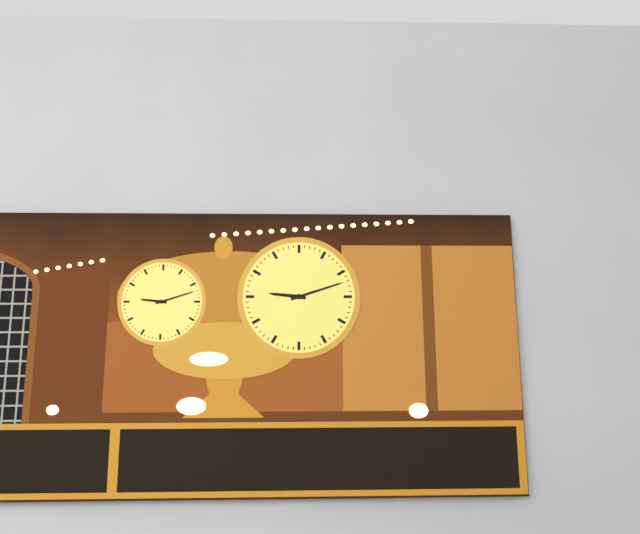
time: 9.12
